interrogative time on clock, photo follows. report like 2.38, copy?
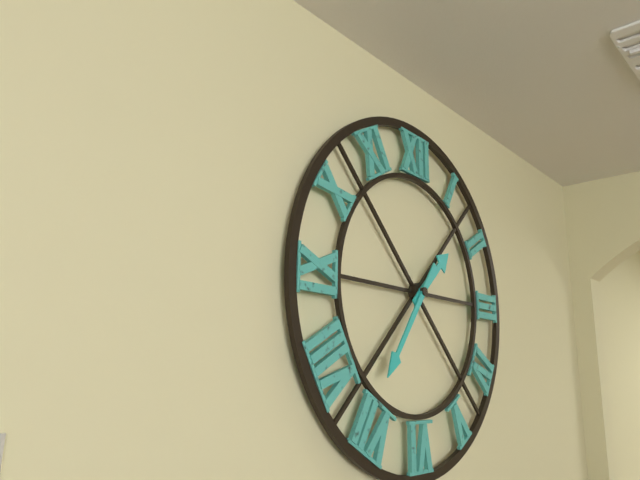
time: 1.36
